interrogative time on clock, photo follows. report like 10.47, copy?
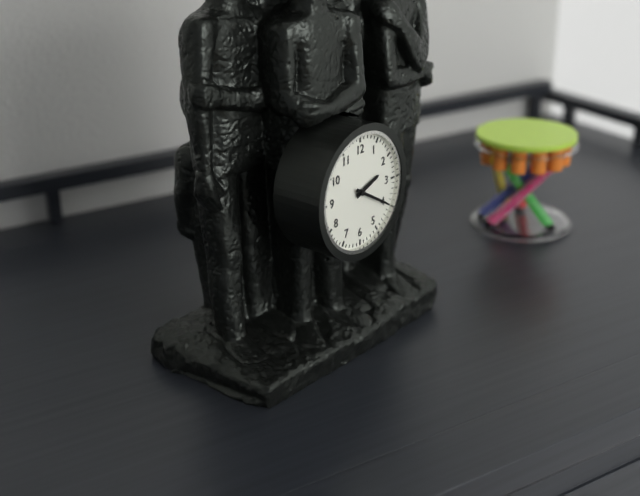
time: 2.20
